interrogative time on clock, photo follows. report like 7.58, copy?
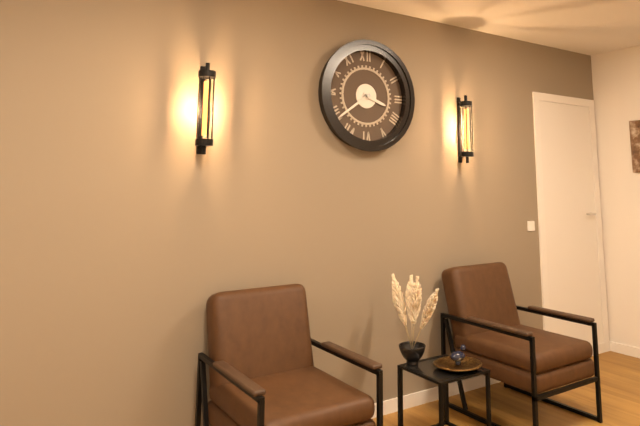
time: 3.39
